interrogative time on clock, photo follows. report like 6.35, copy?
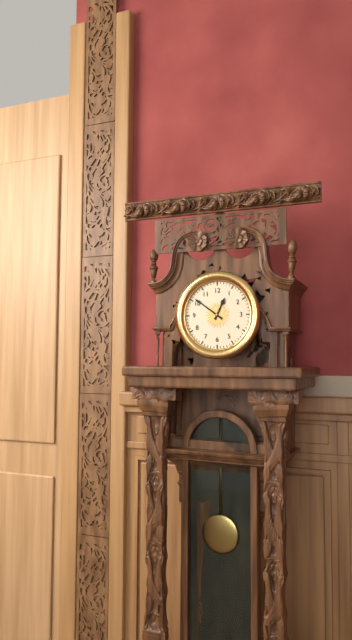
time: 12.51
